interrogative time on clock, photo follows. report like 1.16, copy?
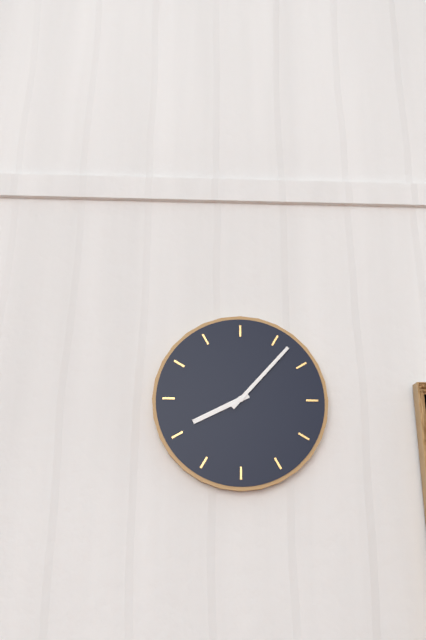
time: 8.07
